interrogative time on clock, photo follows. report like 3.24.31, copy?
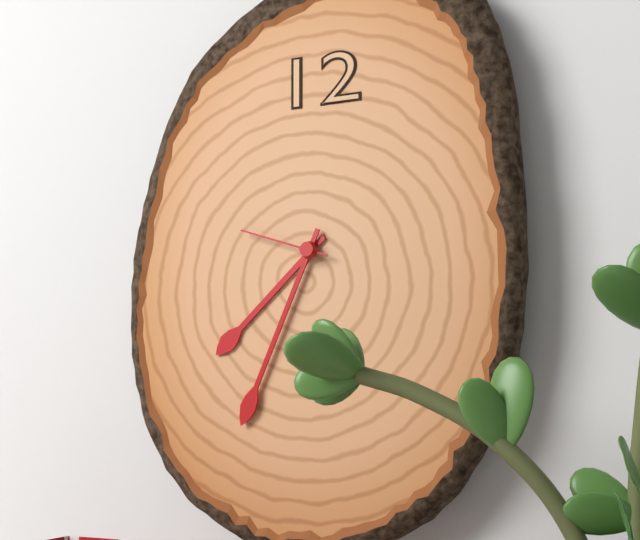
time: 7.34.48
